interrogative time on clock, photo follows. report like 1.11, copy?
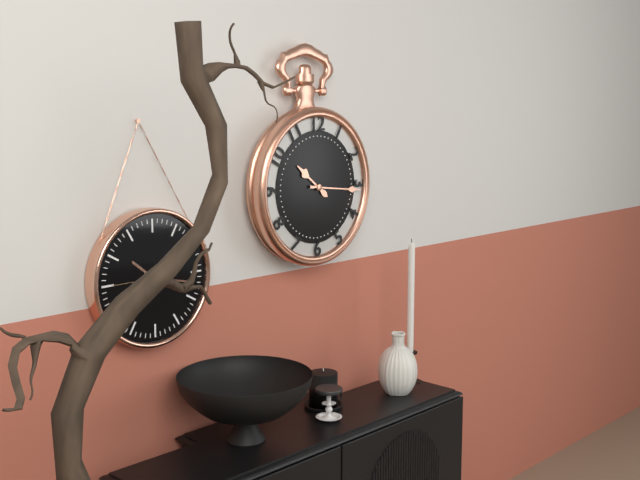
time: 10.16
